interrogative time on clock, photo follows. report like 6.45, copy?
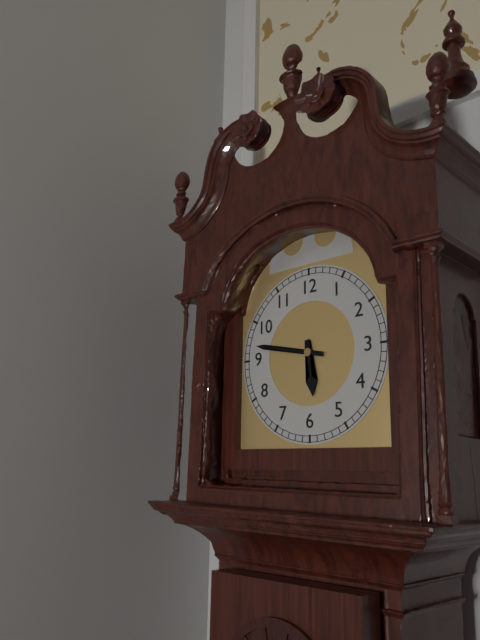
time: 5.47
